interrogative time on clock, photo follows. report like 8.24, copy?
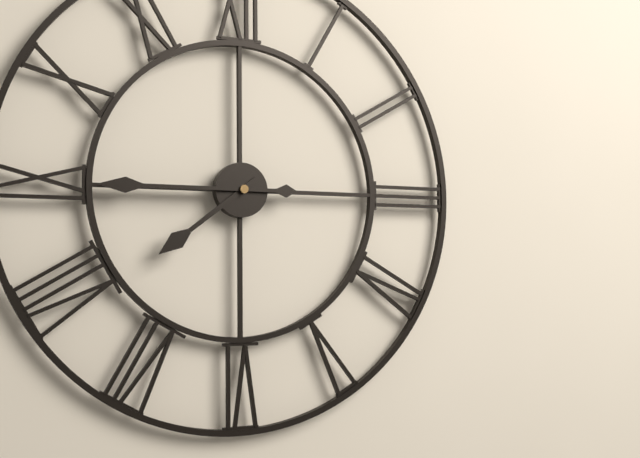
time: 7.45
